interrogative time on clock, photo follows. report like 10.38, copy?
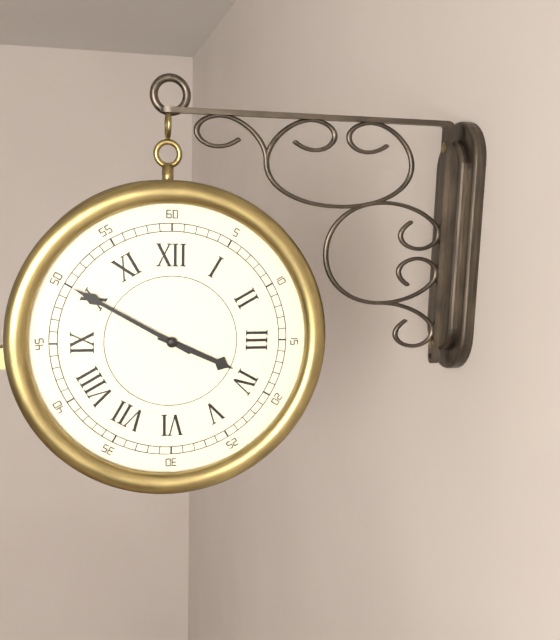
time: 3.50
